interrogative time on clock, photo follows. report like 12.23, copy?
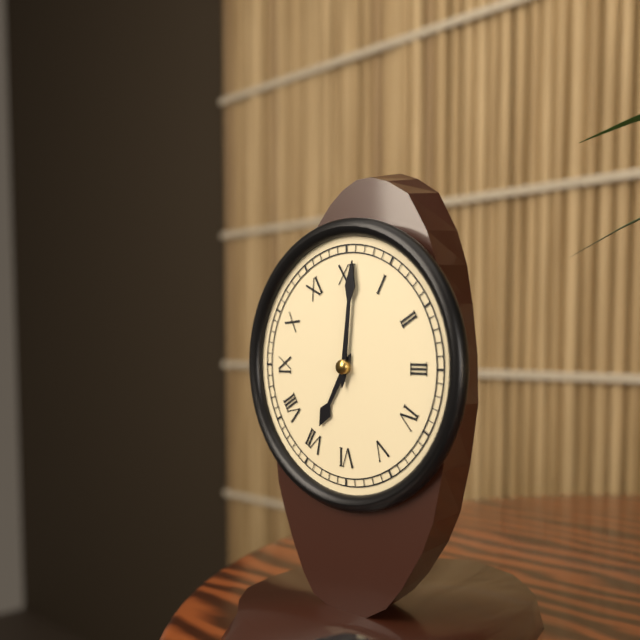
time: 7.01
